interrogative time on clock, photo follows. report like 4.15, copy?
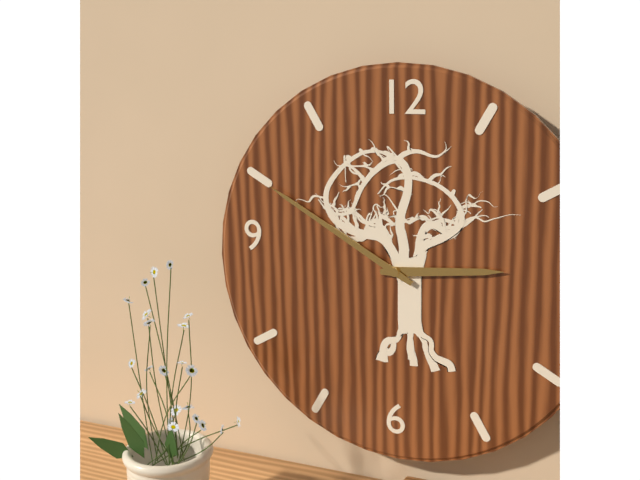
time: 2.50
